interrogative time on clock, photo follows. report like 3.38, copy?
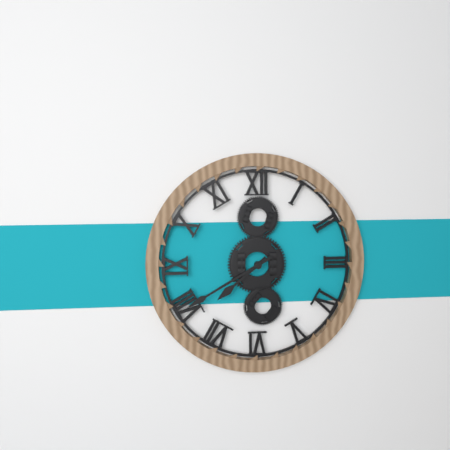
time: 7.40
